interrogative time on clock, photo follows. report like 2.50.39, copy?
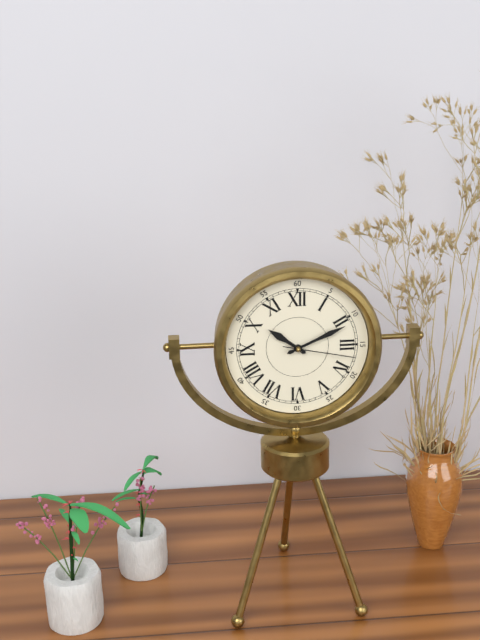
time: 10.11.17
